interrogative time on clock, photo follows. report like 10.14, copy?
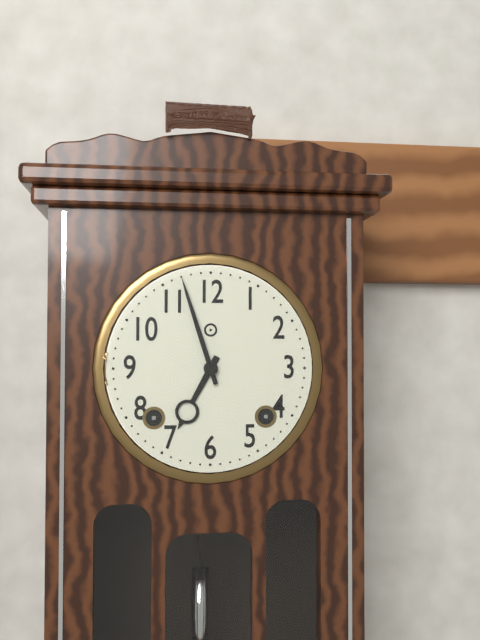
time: 6.57
